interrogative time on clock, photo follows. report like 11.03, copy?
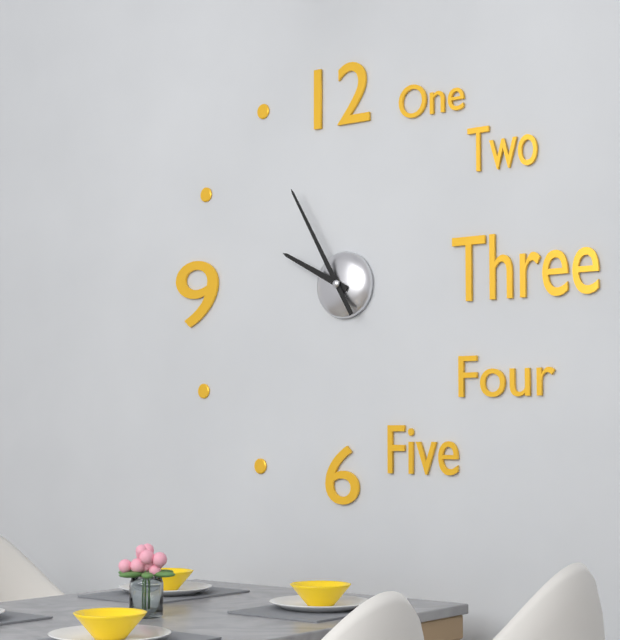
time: 9.55
